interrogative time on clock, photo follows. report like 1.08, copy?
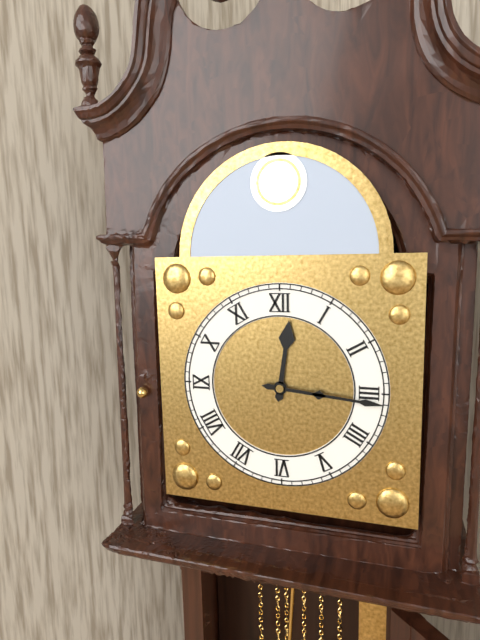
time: 12.16
